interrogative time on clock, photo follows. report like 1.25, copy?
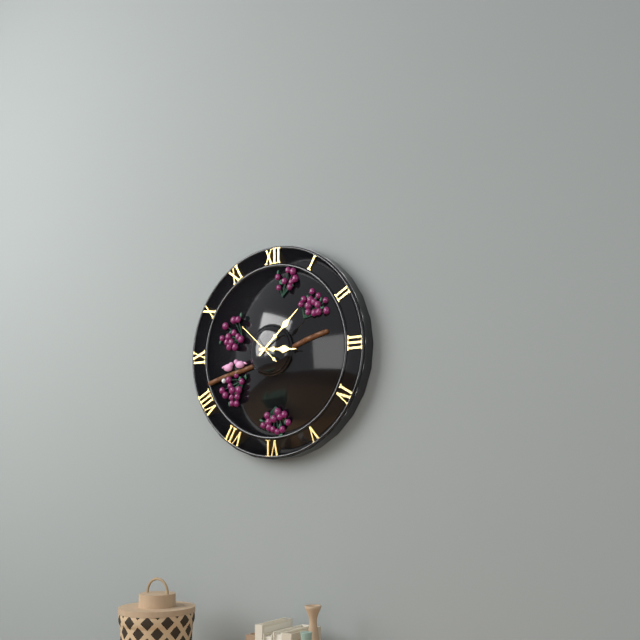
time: 3.08
